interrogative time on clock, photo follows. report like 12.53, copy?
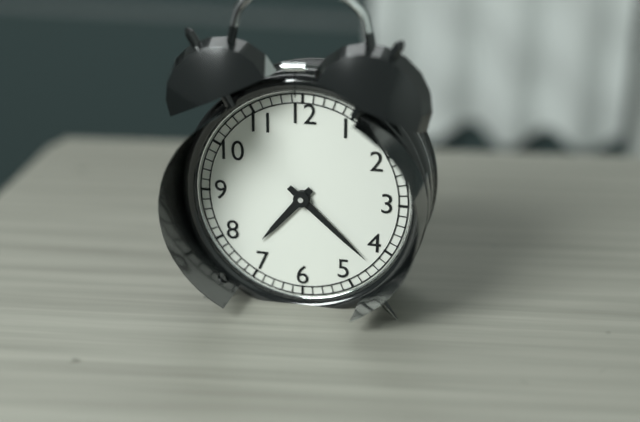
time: 7.22
